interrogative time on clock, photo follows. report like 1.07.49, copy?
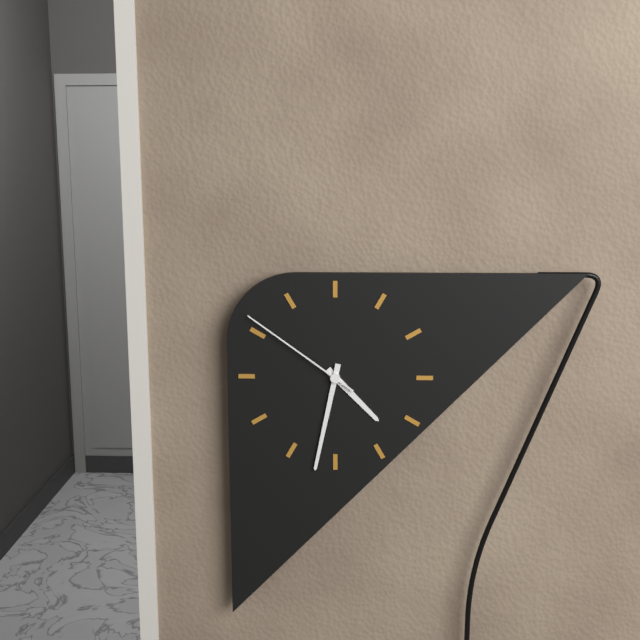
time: 4.32.51
